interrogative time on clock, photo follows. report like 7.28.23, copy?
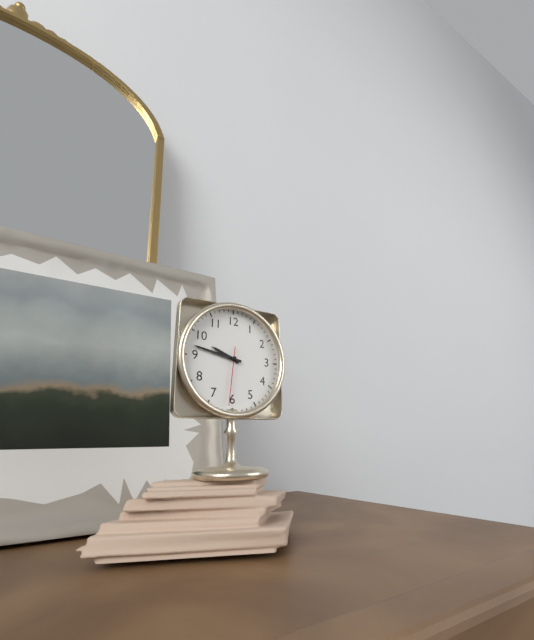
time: 9.47.31
